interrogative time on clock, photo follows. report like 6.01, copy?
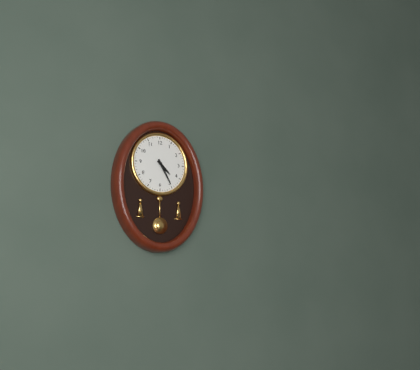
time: 4.25
